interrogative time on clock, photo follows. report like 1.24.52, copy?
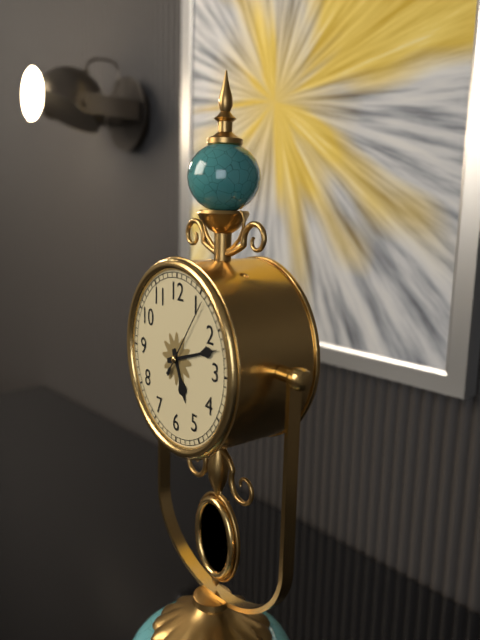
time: 5.12.06
